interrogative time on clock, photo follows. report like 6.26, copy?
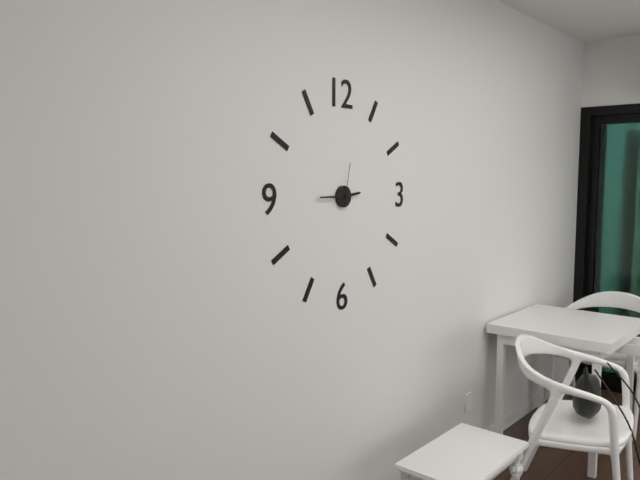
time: 2.45
